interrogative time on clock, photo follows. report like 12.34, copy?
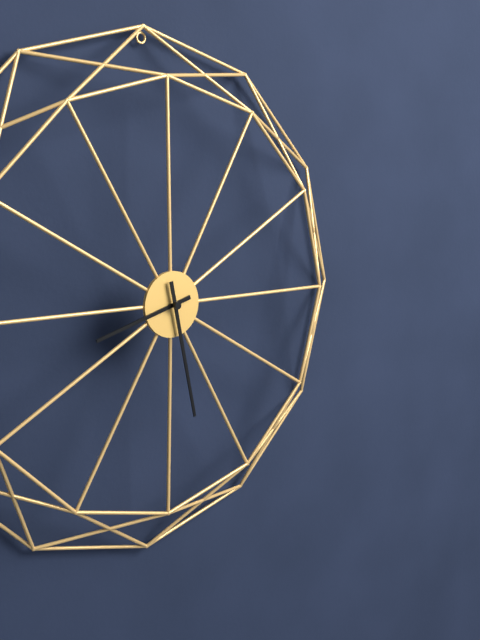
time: 8.28
